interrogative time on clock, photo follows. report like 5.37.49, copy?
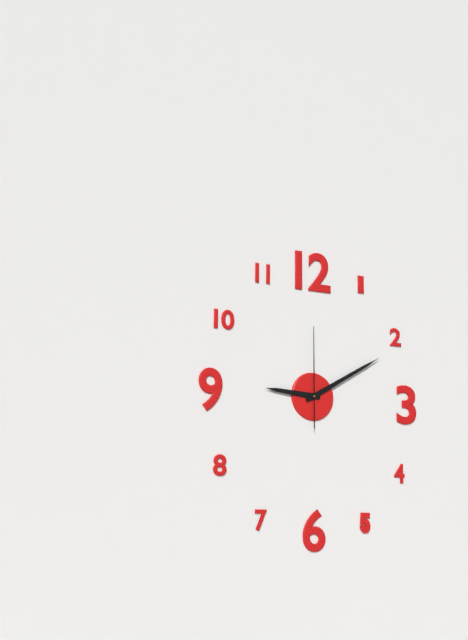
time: 9.10.00
